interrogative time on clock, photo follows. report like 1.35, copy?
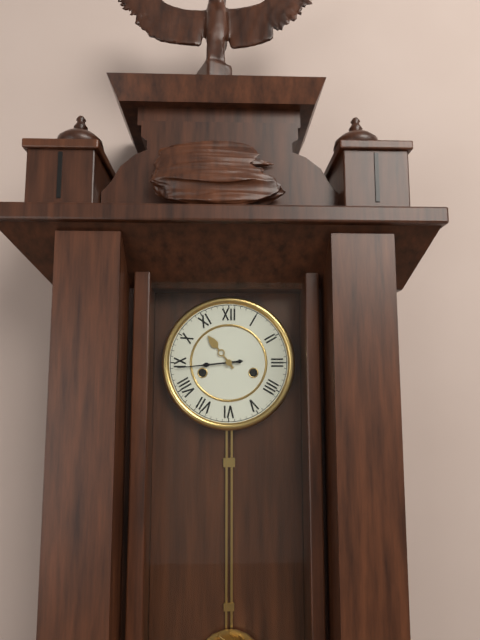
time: 10.44
